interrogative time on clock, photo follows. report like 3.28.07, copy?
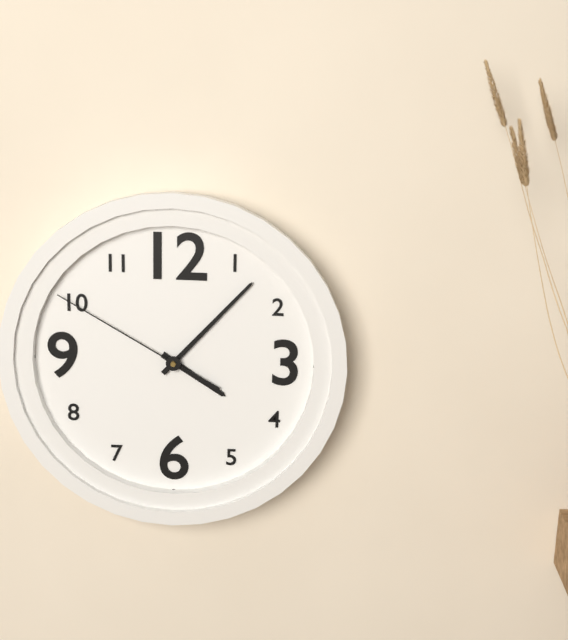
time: 4.07.50
